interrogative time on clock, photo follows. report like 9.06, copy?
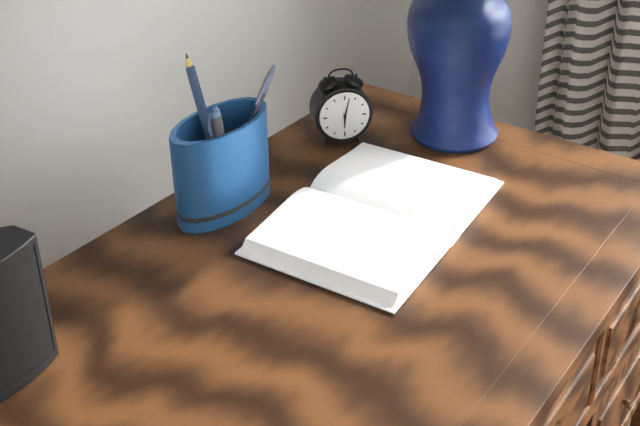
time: 6.02
